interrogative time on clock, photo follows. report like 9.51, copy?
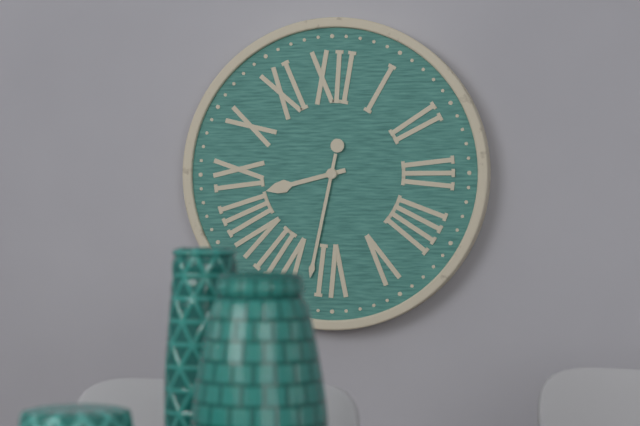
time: 8.32
